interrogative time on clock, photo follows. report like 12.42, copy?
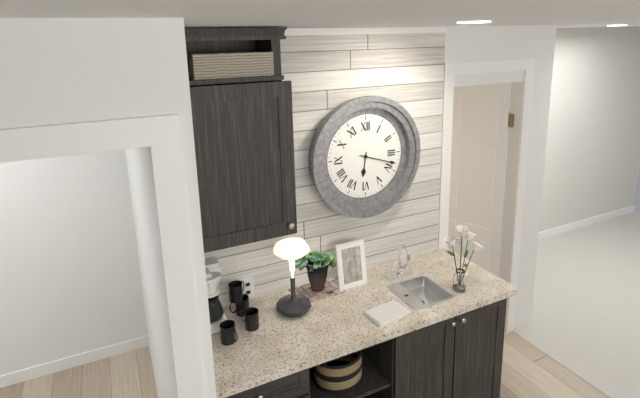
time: 6.18
